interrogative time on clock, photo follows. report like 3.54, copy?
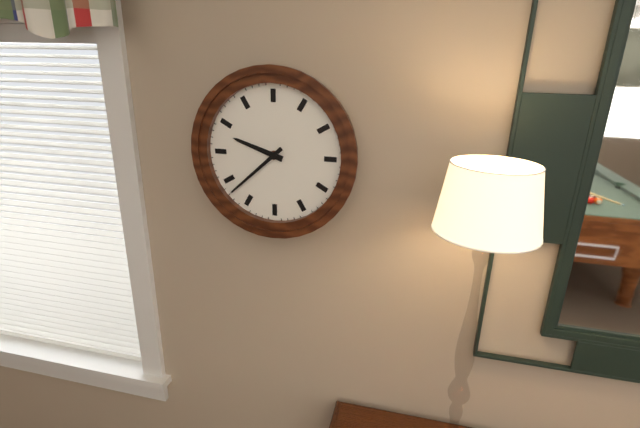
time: 9.38
